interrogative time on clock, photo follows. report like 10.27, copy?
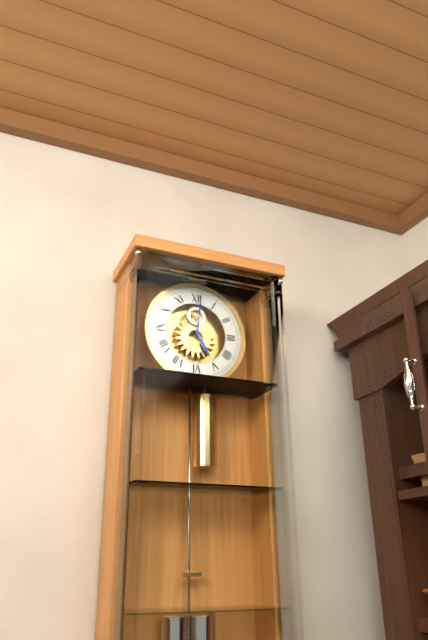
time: 5.01
